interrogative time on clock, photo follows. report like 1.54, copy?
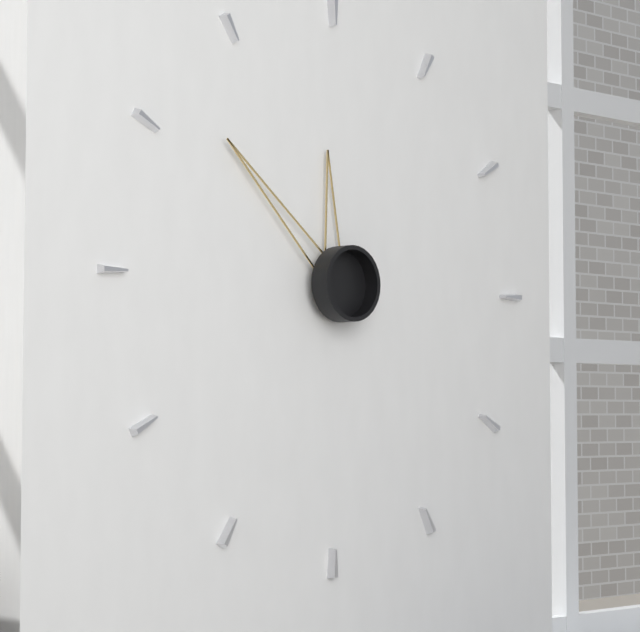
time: 11.52
